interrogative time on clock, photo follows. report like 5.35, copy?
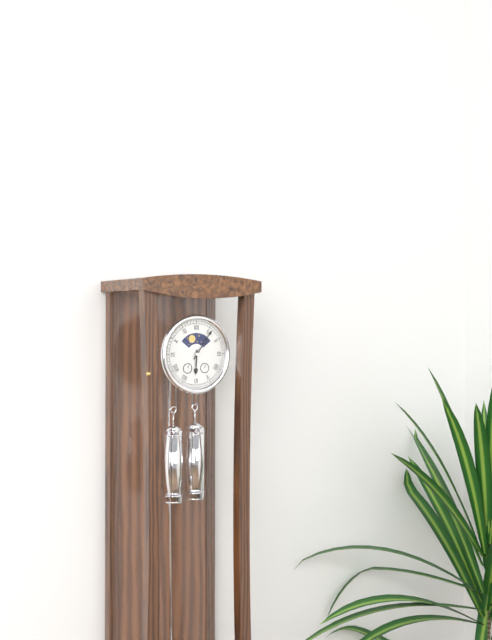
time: 6.06
